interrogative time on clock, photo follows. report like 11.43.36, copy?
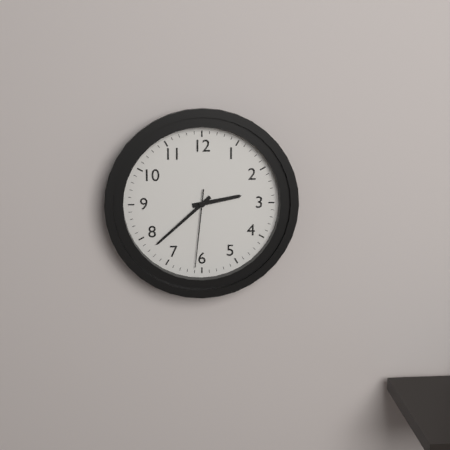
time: 2.38.31
